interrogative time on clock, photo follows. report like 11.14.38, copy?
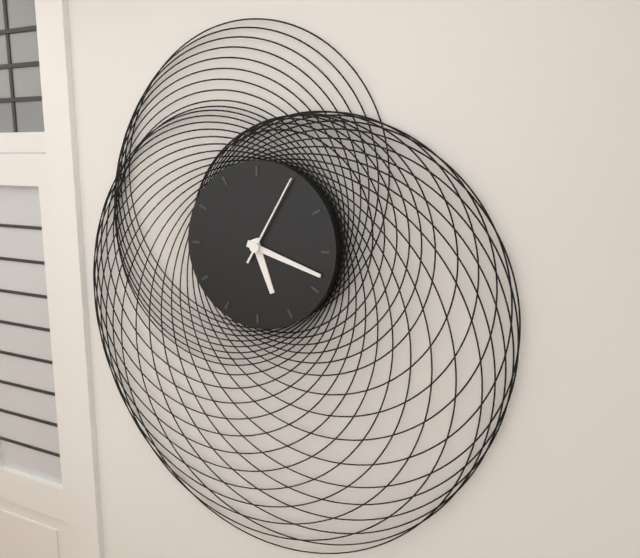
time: 5.18.05
